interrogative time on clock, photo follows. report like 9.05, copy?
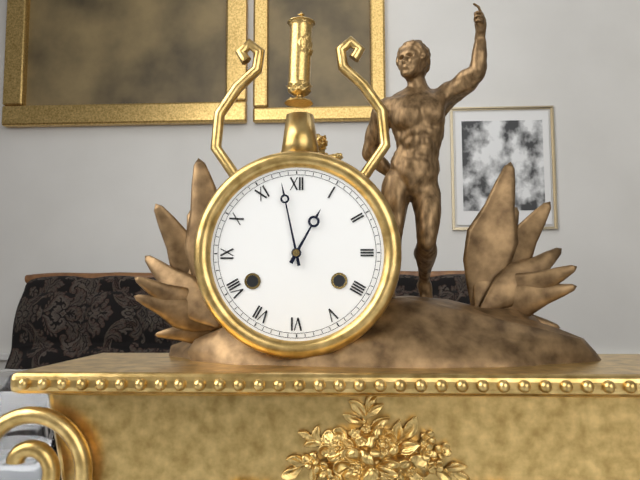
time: 12.58
